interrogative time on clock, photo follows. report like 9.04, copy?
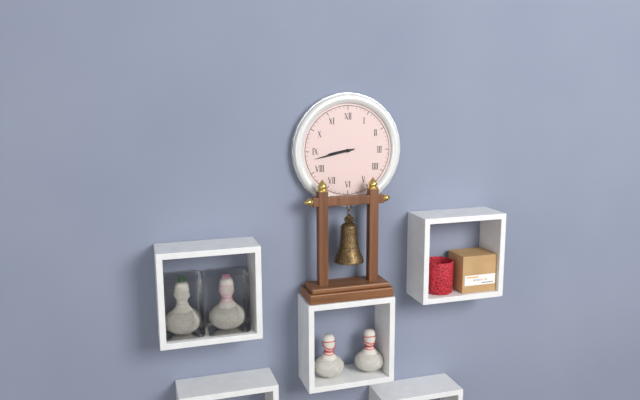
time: 8.43
